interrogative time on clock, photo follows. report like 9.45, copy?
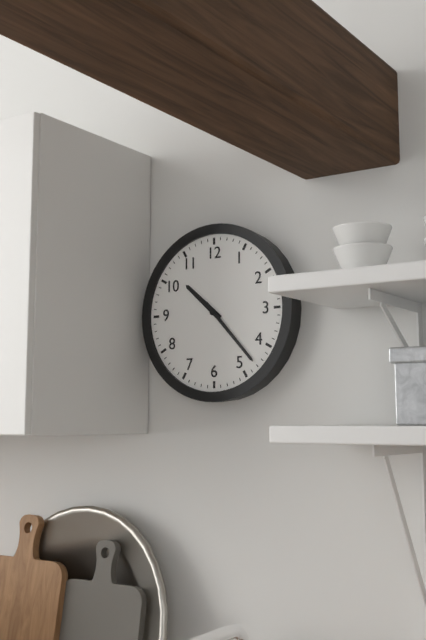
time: 10.23
